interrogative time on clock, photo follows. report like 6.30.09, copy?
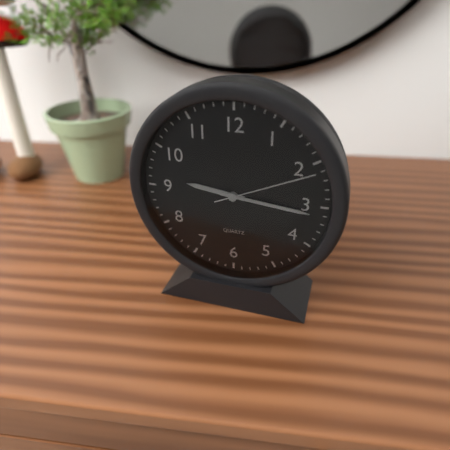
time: 9.16.11
